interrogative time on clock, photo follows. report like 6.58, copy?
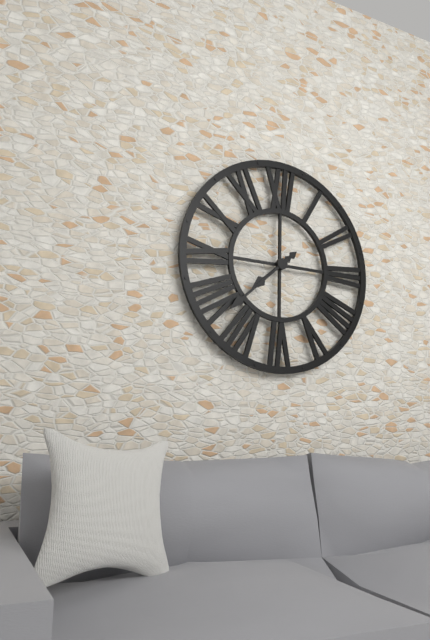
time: 7.38
